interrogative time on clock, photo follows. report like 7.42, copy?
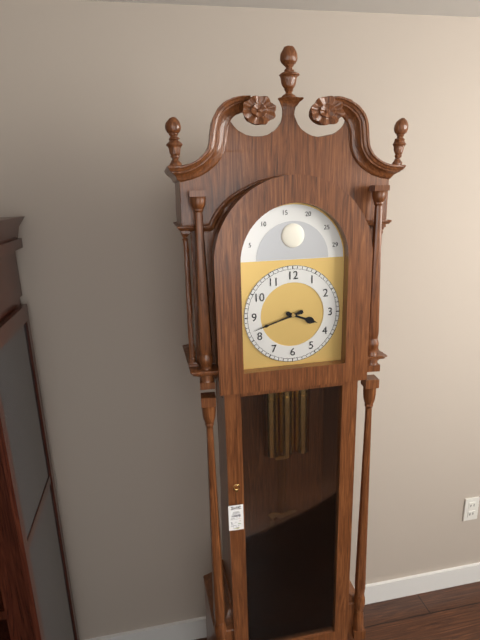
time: 3.42
